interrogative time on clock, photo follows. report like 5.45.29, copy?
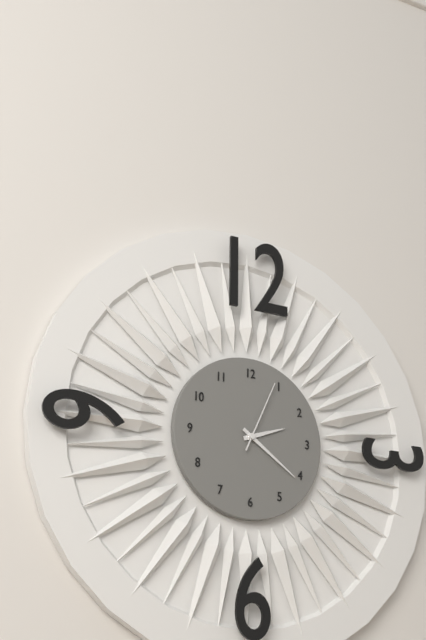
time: 2.21.04
